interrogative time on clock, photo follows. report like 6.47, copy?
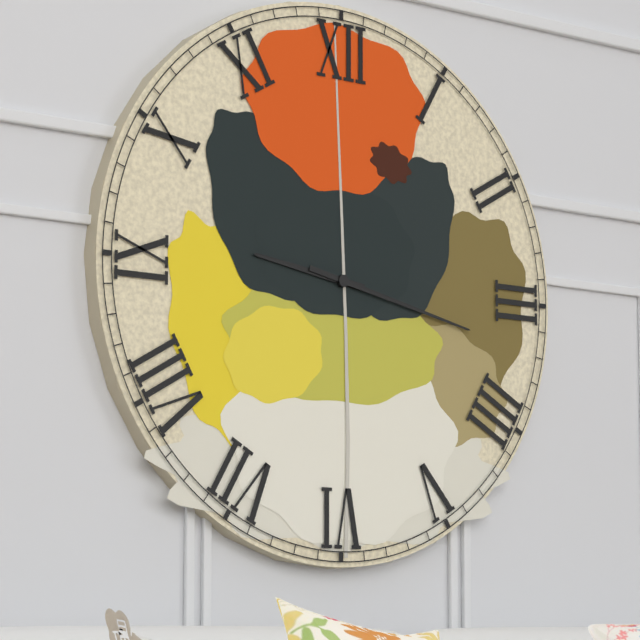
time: 9.17
